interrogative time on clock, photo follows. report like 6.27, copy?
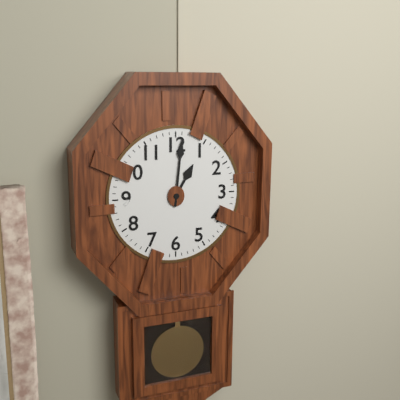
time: 1.01
